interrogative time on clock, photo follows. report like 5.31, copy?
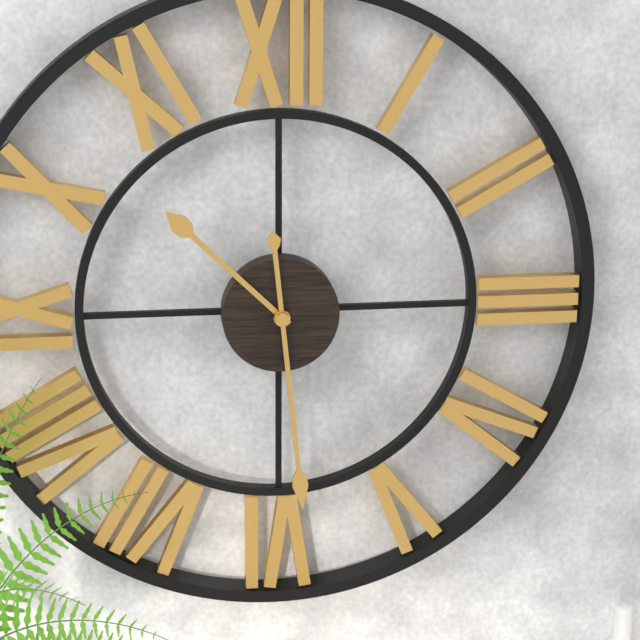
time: 10.29
